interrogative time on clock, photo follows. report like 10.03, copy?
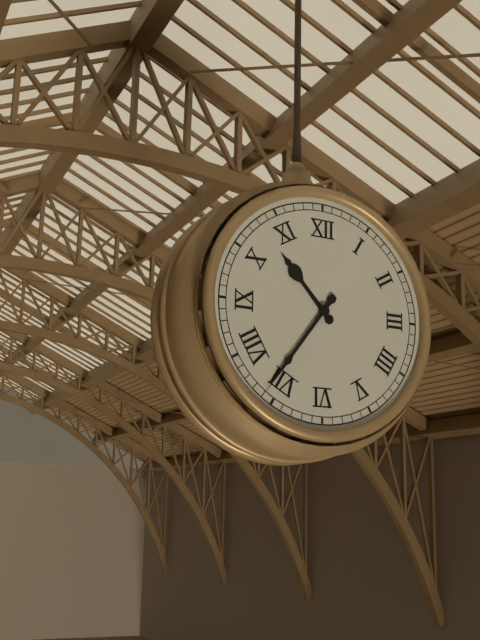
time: 10.36
